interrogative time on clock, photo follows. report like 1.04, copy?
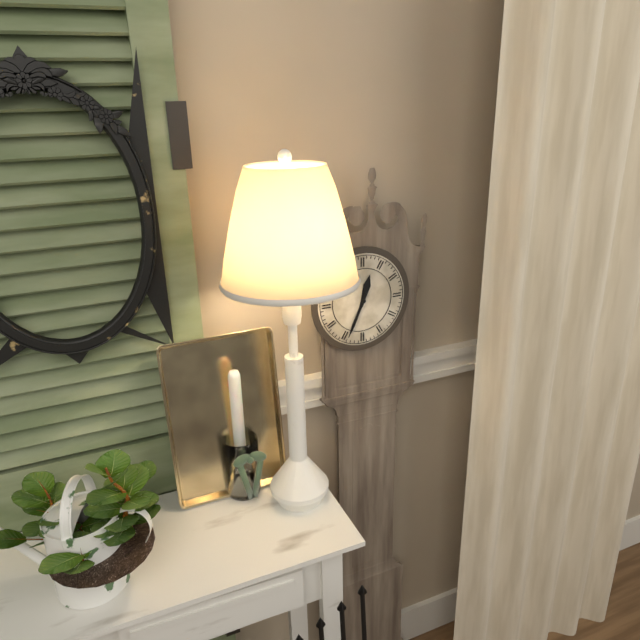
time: 12.34
